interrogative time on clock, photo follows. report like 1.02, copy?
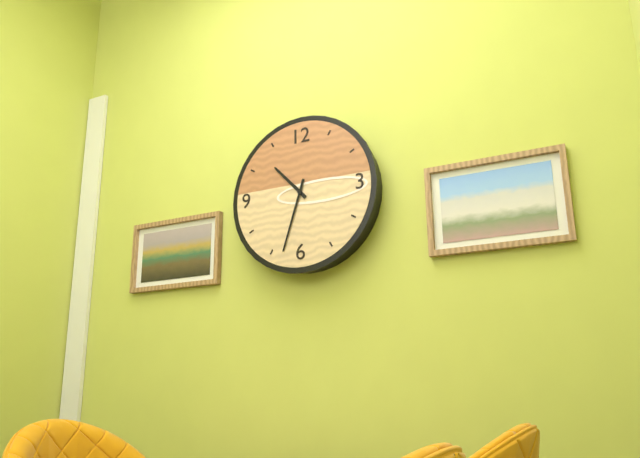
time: 10.33
